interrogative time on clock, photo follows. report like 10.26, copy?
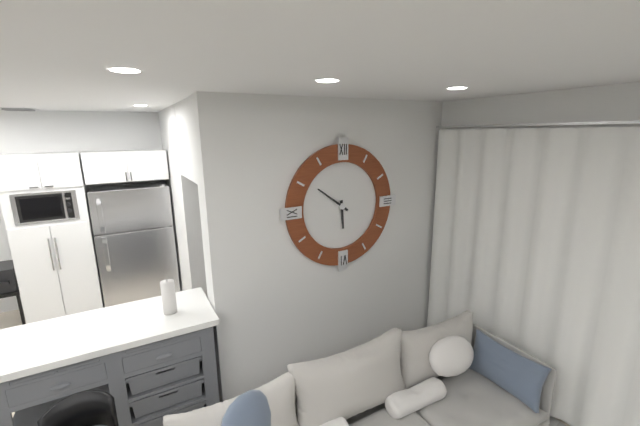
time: 5.51
